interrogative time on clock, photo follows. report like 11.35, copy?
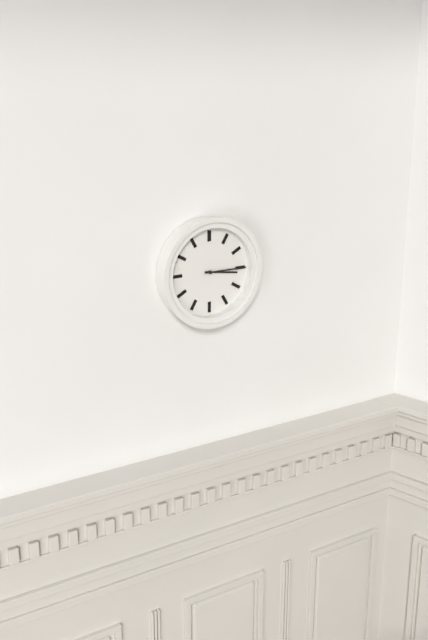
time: 3.15
